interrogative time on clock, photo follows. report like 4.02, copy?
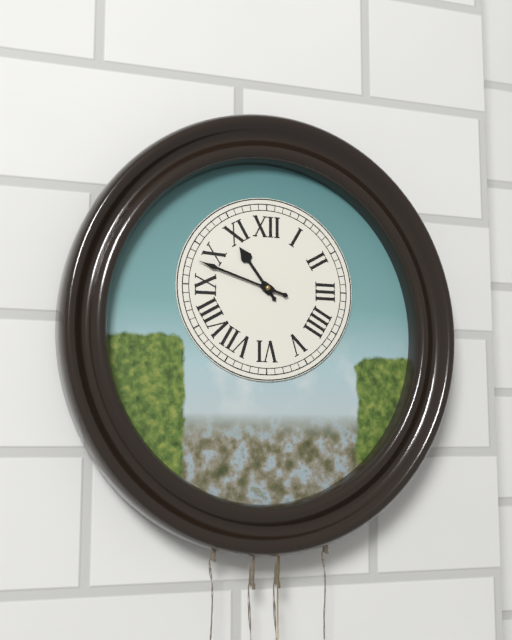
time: 10.48
